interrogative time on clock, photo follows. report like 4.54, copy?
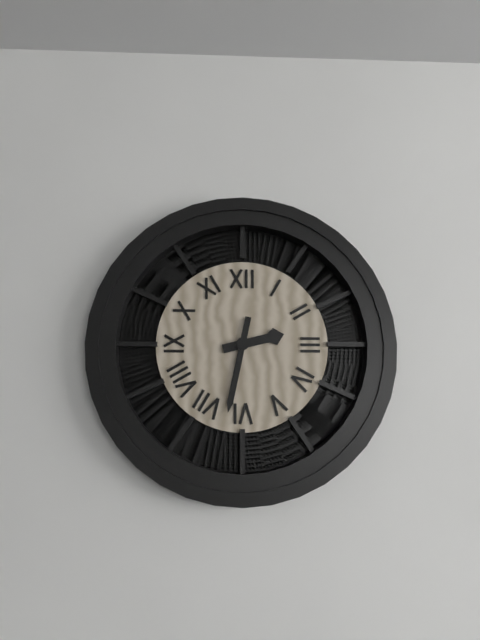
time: 2.32
